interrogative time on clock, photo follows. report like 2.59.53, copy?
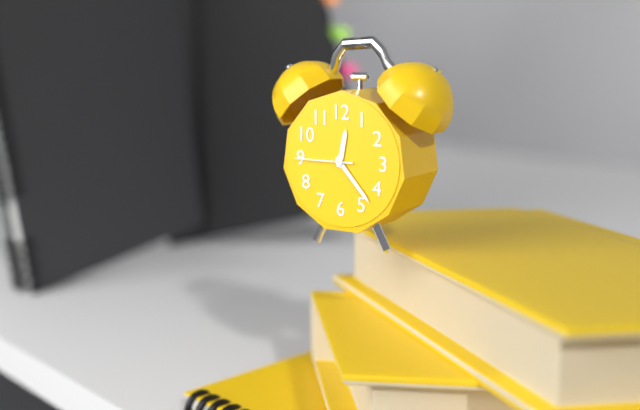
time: 12.23.45
